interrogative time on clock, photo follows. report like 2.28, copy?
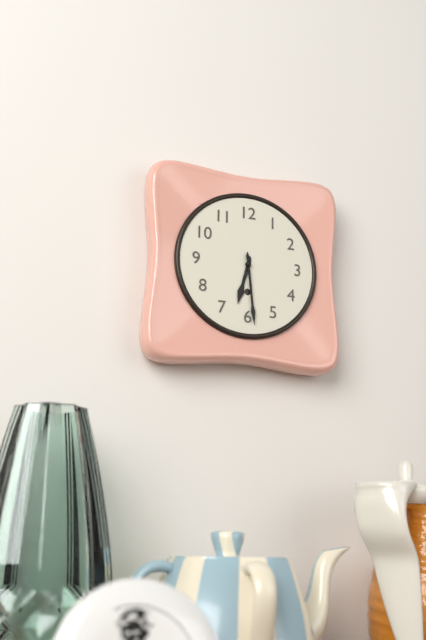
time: 6.29
